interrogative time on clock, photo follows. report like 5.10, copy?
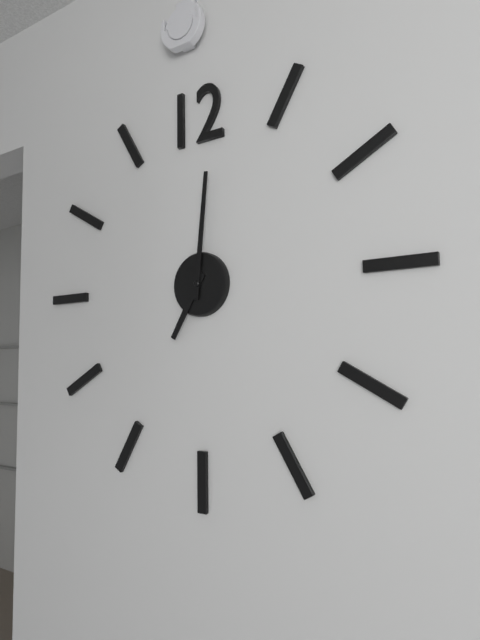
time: 7.01
